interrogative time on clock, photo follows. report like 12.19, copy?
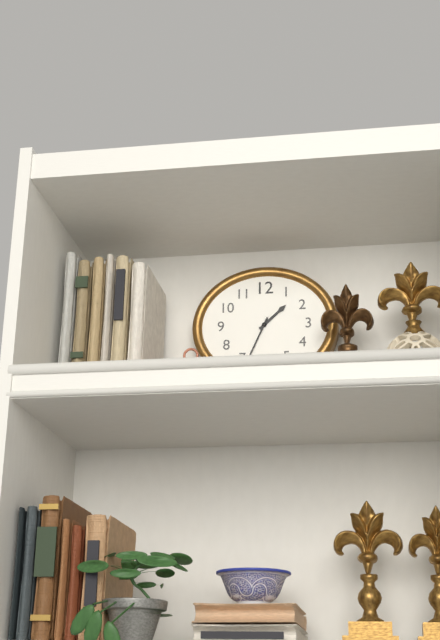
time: 1.34
